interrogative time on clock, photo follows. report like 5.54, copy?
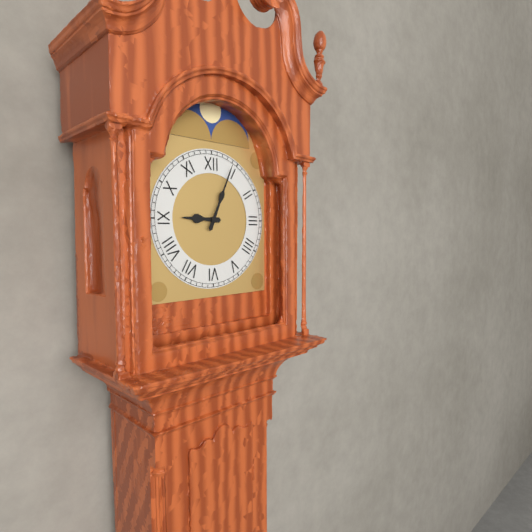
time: 9.04
